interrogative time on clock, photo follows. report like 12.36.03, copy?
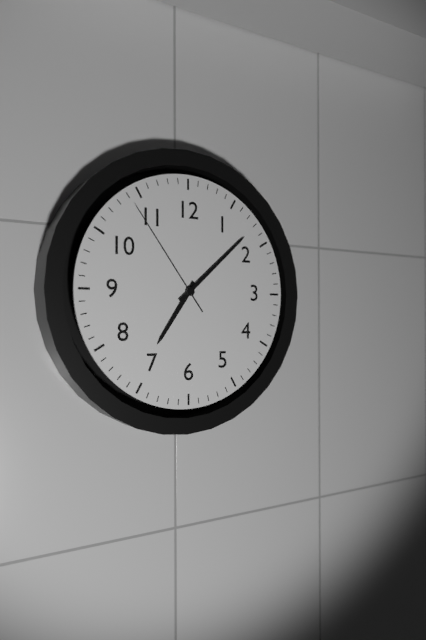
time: 7.08.54
